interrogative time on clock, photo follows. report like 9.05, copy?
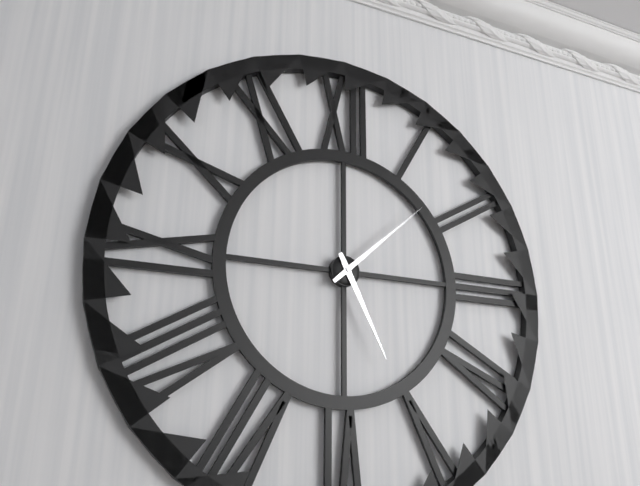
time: 5.08
